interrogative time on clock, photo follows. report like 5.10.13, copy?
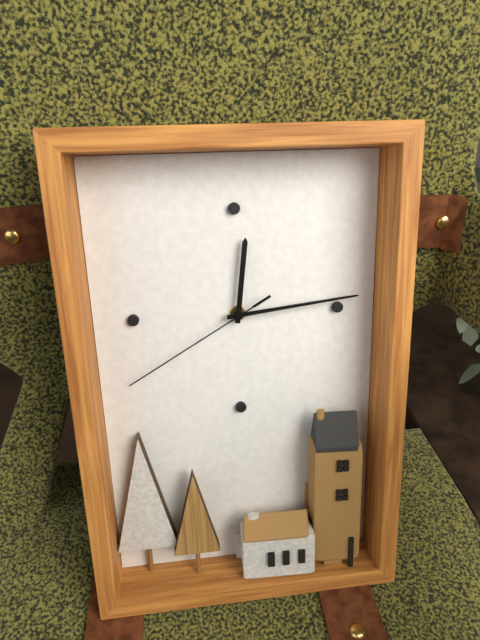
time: 12.14.40
